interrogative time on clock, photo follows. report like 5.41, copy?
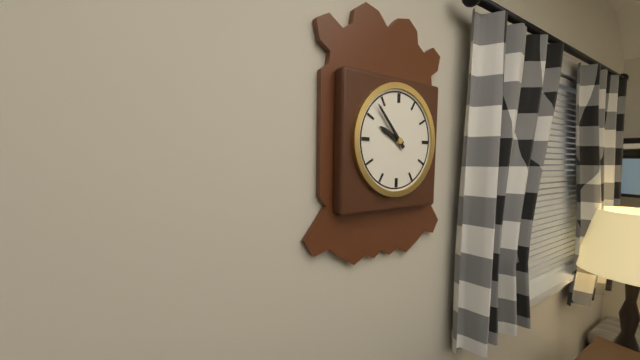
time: 9.53
